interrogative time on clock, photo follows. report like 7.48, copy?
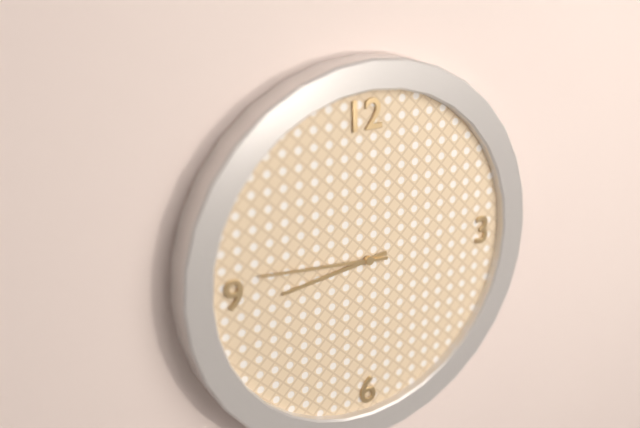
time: 8.46
